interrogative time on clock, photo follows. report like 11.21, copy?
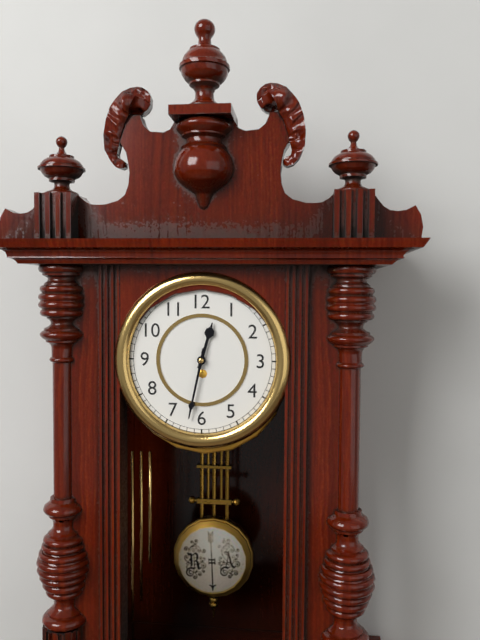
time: 12.32
